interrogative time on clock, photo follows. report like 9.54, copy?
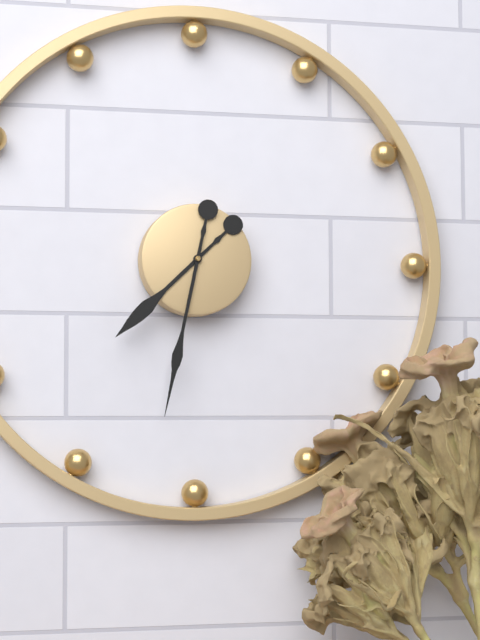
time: 7.32
